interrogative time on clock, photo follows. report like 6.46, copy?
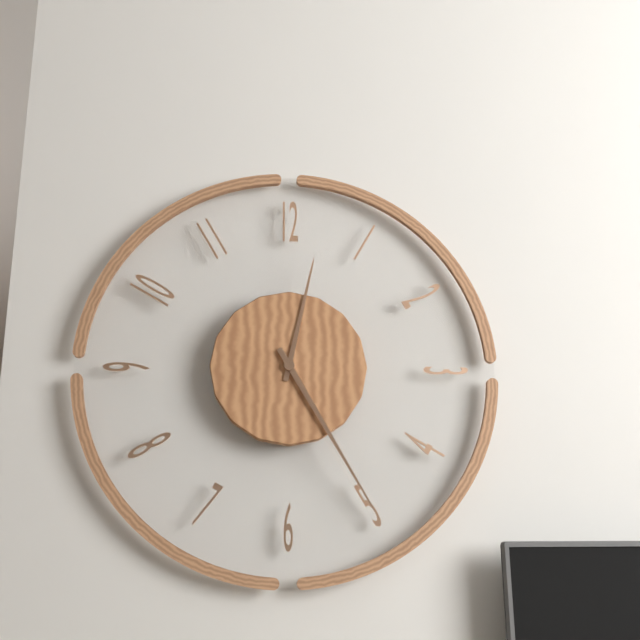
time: 12.25
